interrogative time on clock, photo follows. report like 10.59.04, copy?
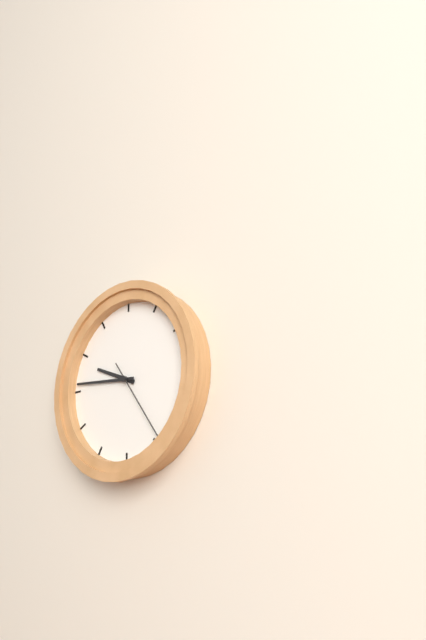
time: 9.46.24
